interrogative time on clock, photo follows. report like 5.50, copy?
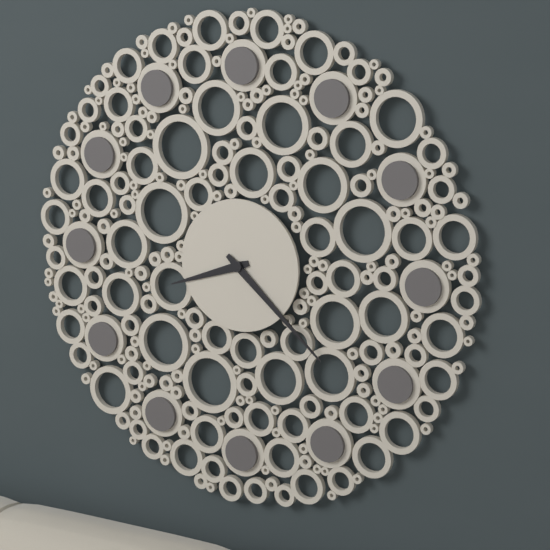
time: 8.22
